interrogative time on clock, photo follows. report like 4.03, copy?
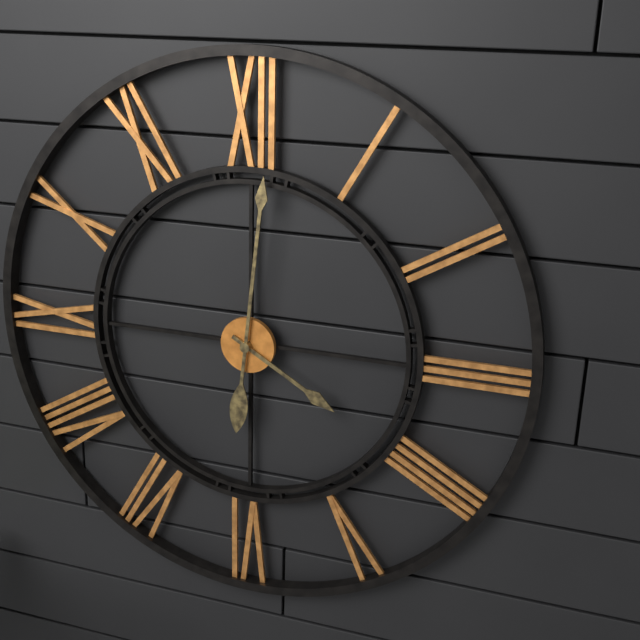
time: 4.01
